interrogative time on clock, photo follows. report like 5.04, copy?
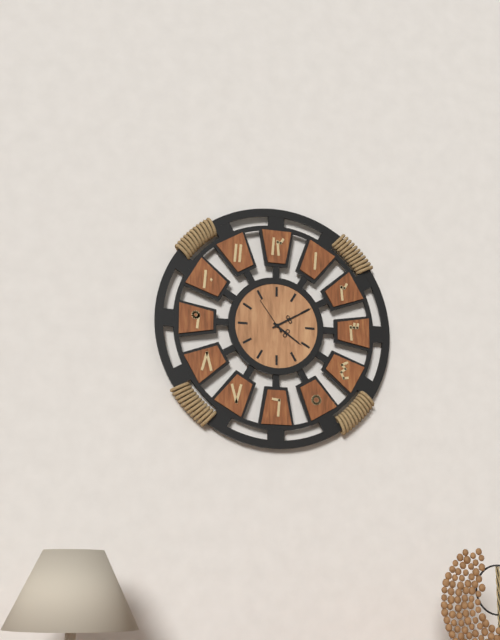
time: 4.10
